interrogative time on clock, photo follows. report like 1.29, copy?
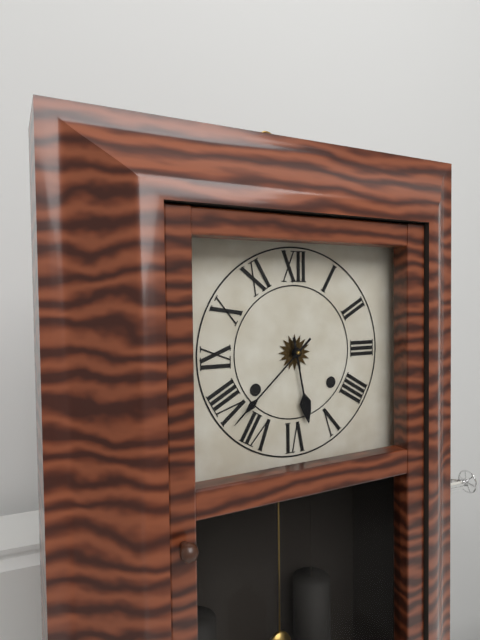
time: 5.38
